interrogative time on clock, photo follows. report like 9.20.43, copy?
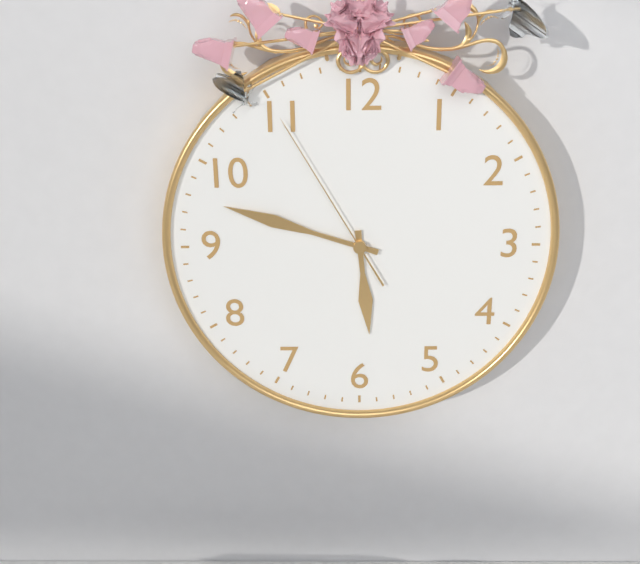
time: 5.48.55
